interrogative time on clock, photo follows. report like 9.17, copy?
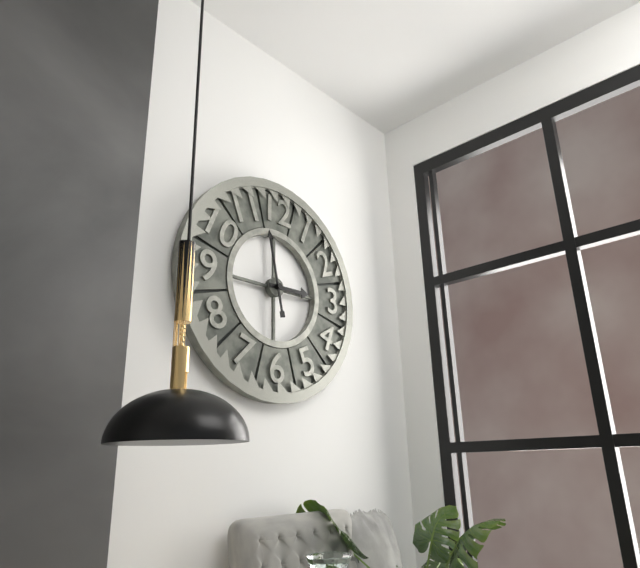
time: 2.58
